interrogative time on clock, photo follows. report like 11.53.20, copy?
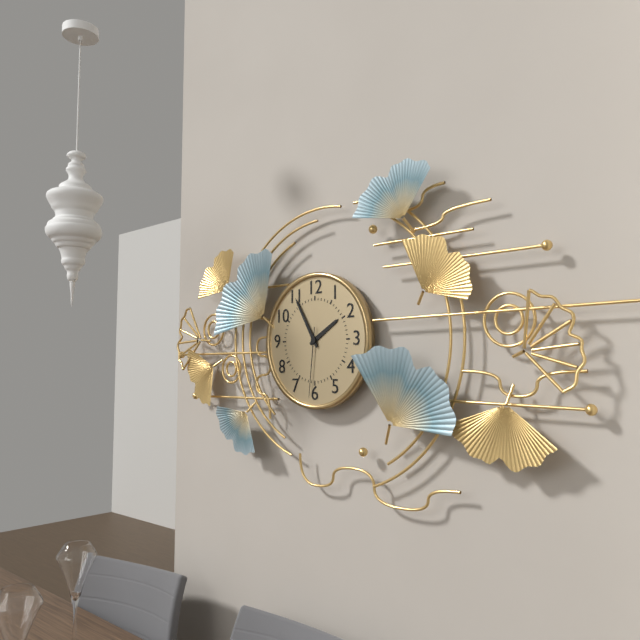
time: 1.55.31
